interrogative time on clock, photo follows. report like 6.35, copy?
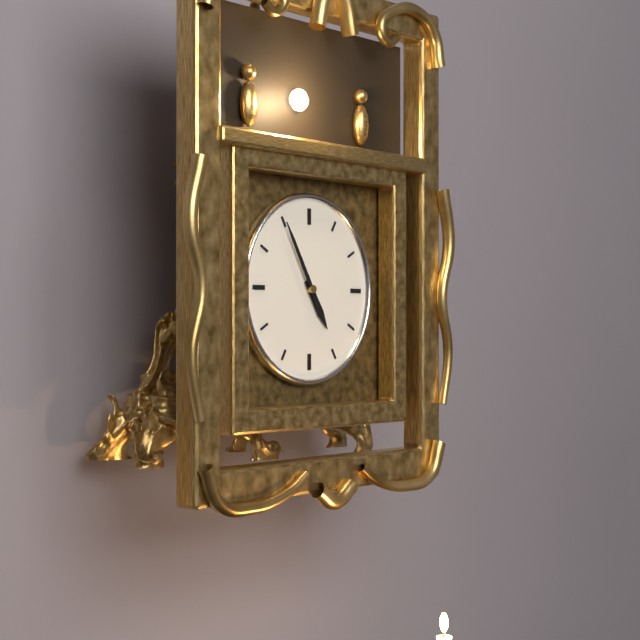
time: 4.55
